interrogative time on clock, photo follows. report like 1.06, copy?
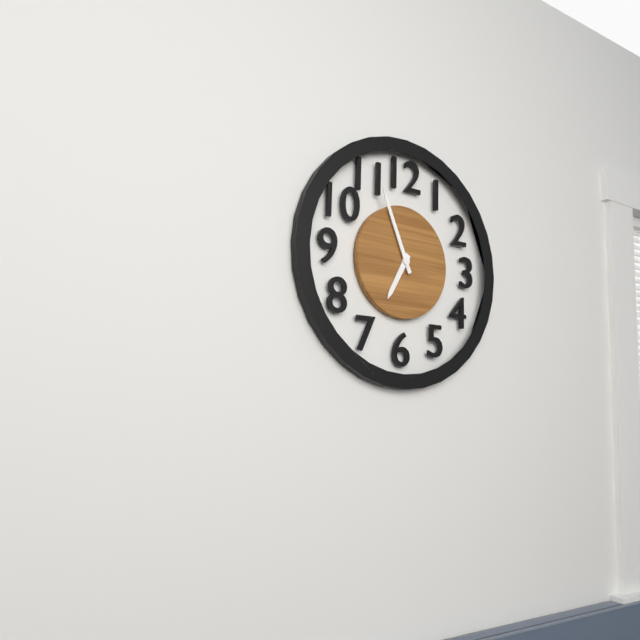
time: 6.56
